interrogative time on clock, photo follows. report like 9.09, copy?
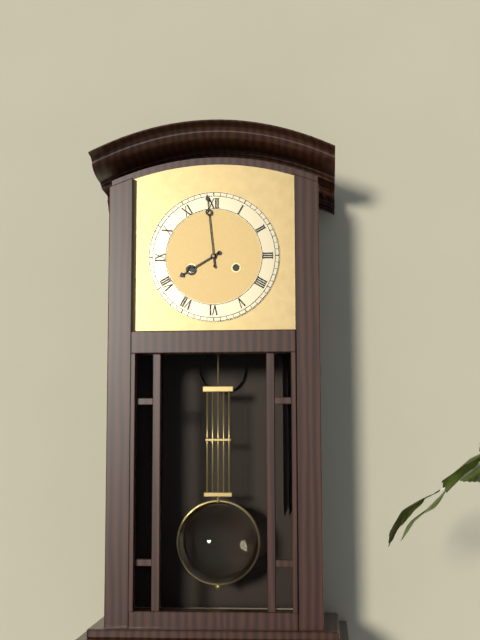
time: 7.59
